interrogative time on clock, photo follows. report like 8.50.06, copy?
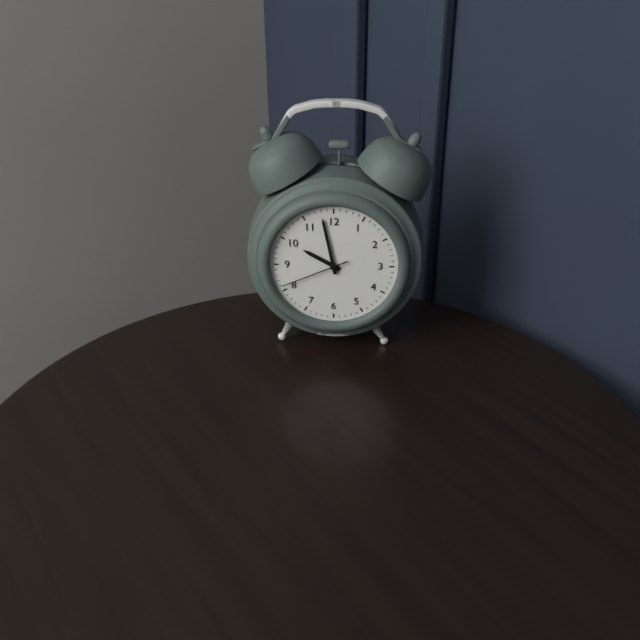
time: 9.58.41
